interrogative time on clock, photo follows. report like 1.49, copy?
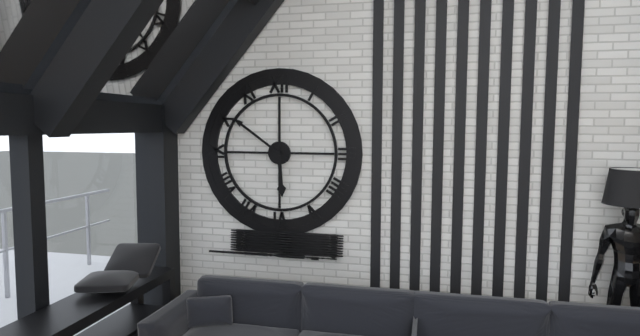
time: 5.51
